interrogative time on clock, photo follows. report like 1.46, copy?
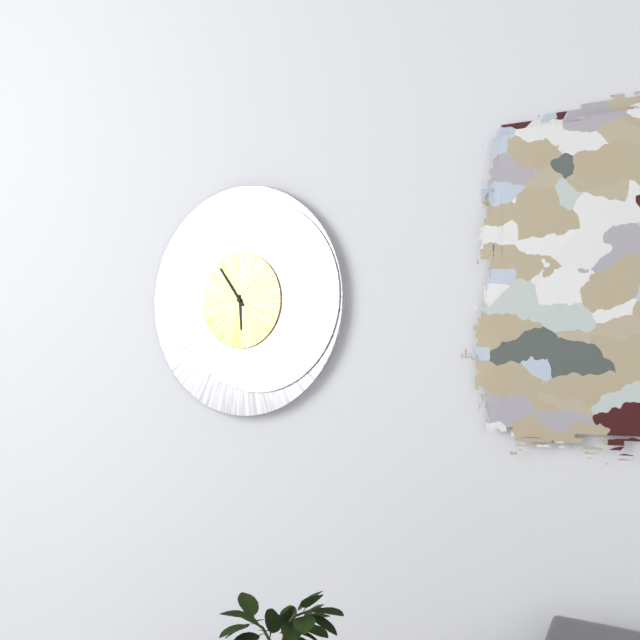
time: 5.54
